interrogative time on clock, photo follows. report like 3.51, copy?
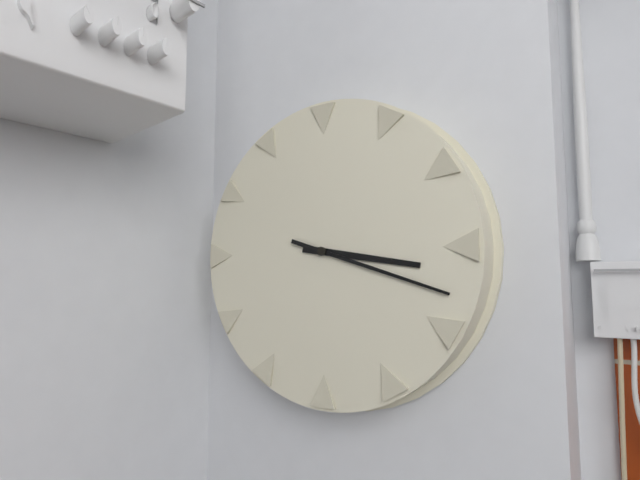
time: 3.18
